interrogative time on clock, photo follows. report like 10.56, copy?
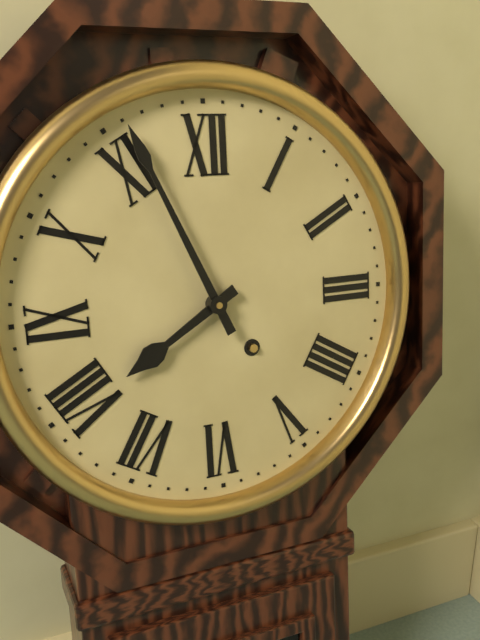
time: 7.56
